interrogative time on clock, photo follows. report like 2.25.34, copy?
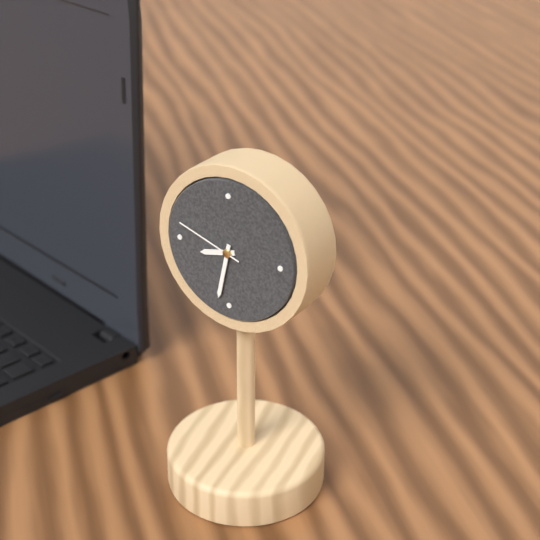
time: 8.32.48
